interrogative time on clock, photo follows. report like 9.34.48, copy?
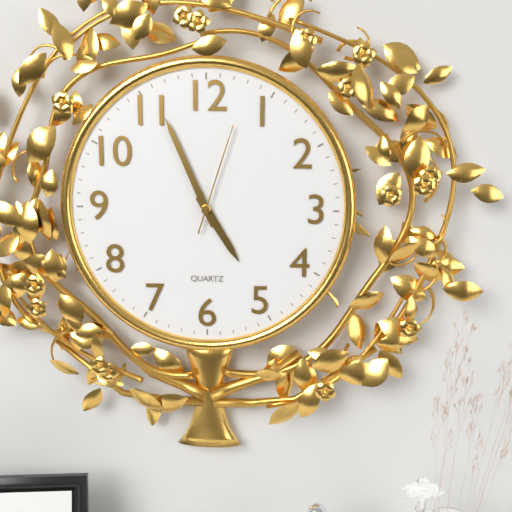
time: 4.56.03
